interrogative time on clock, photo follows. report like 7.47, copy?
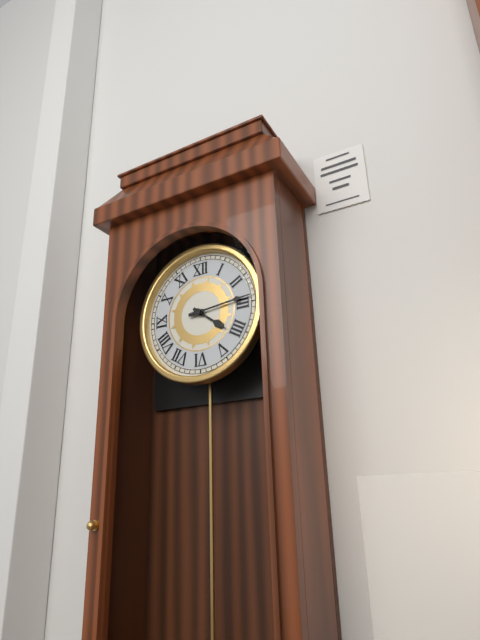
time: 4.14
